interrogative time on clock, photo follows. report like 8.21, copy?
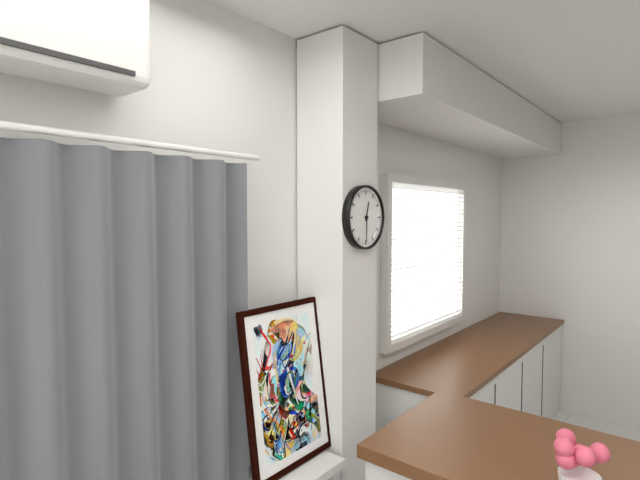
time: 12.30
